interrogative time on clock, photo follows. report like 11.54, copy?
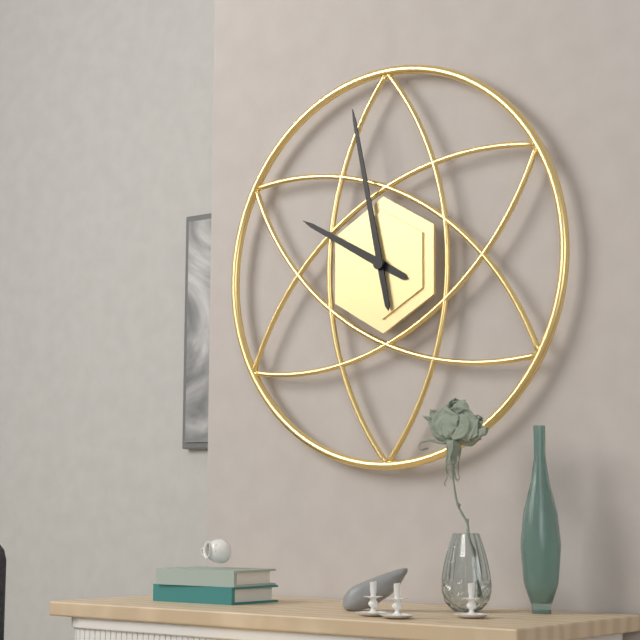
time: 9.58
